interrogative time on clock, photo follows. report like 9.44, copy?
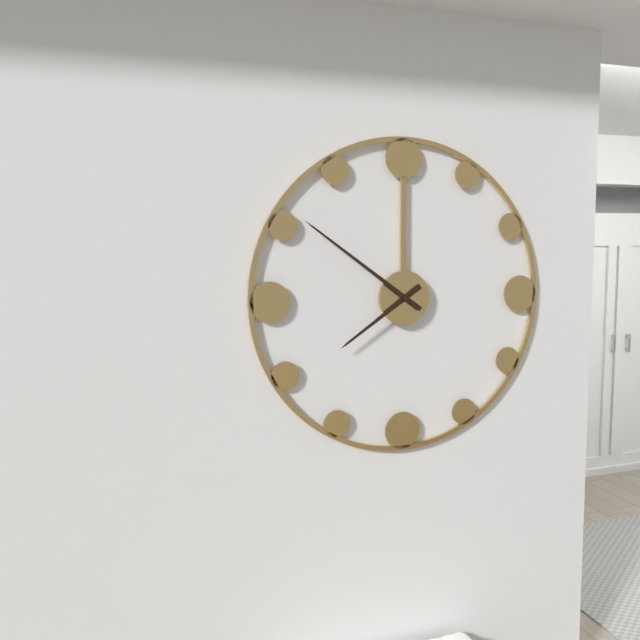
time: 7.51
